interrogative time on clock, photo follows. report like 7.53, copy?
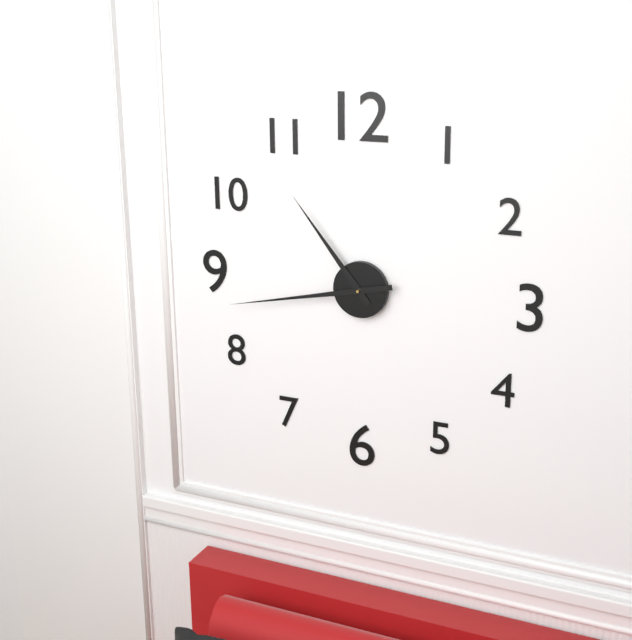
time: 10.43
